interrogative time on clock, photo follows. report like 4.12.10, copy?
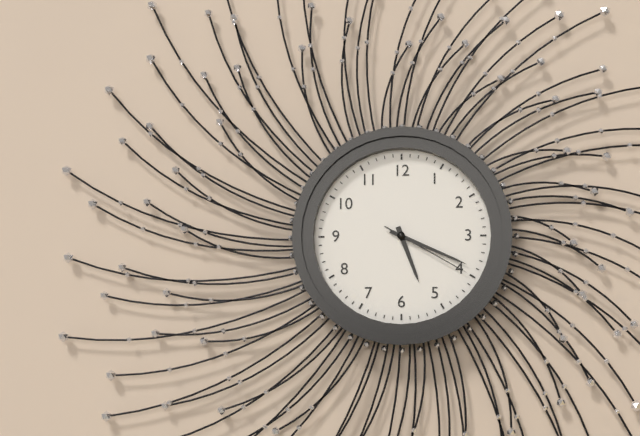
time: 5.19.20
